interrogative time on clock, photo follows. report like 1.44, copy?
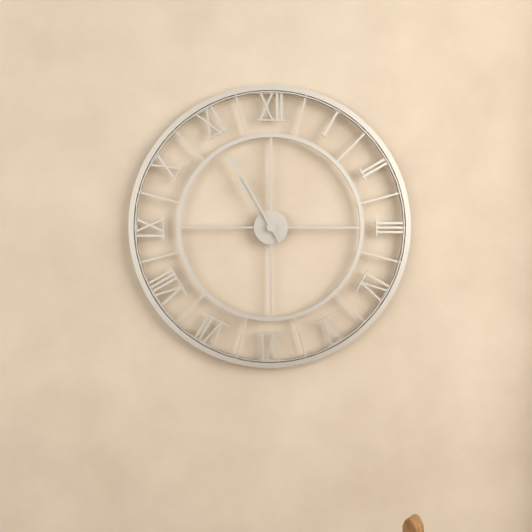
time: 10.55
